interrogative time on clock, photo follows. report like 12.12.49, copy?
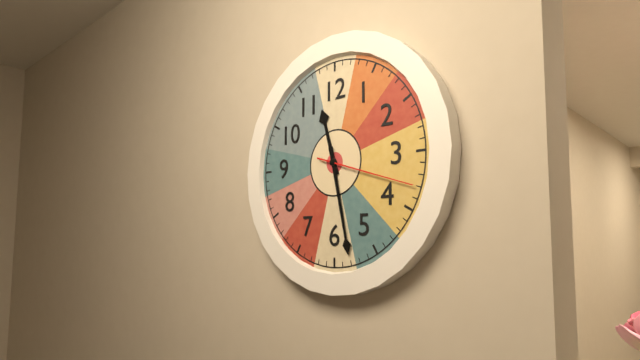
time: 11.28.18
